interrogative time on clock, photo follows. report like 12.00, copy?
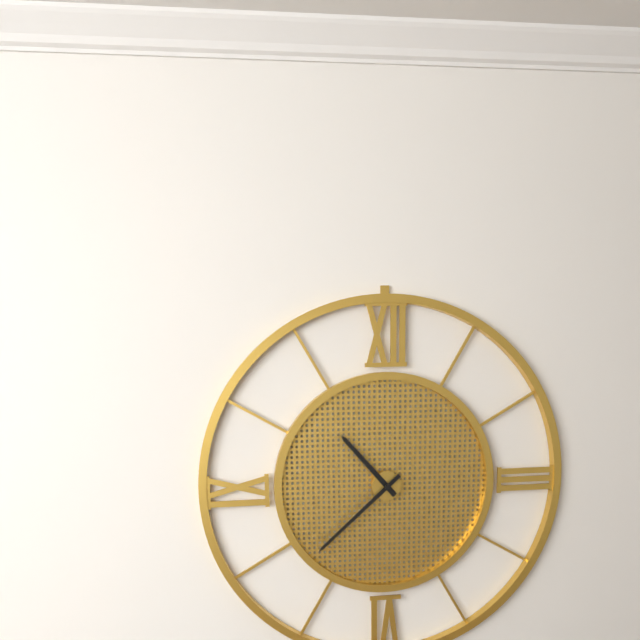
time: 10.38
